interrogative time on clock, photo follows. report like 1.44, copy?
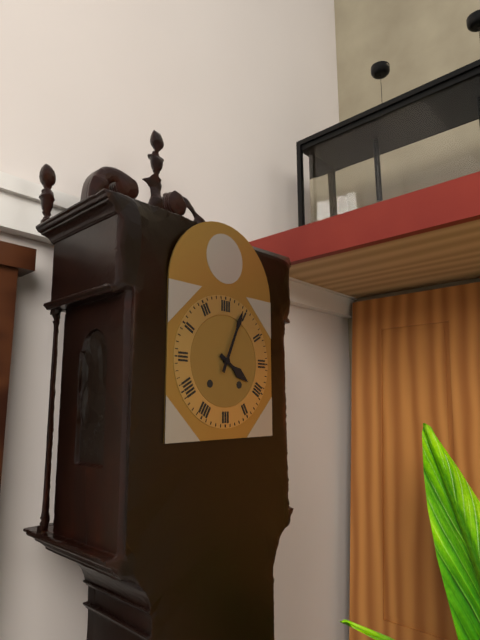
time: 4.04
